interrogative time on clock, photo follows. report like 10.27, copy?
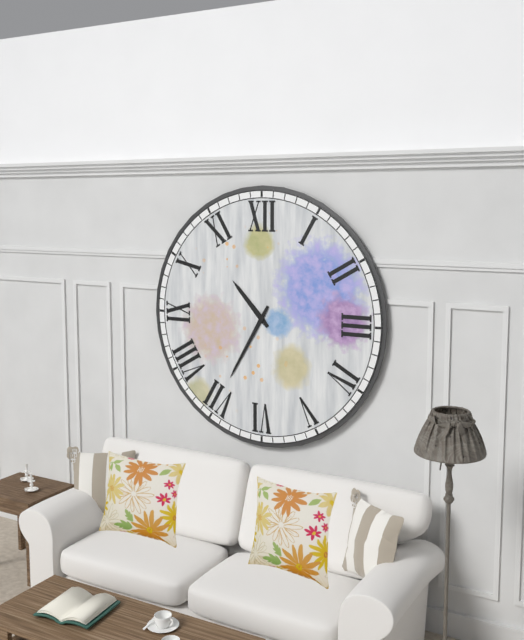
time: 10.35
